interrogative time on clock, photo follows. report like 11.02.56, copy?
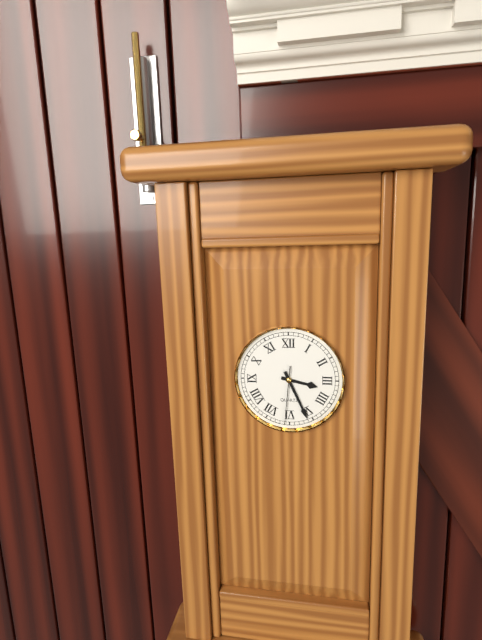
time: 3.26.31
